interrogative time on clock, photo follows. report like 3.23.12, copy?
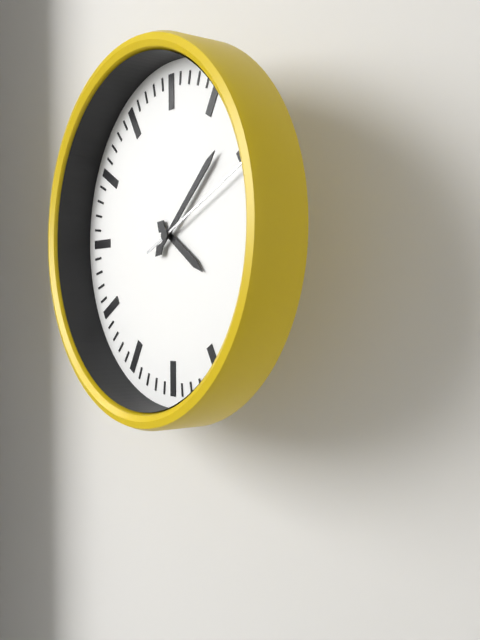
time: 4.08.11
